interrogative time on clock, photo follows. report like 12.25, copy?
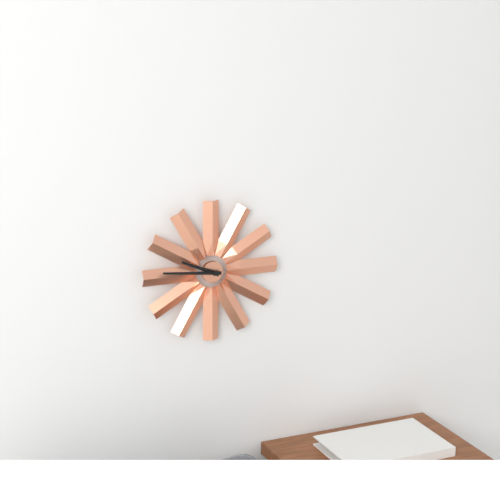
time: 9.46
